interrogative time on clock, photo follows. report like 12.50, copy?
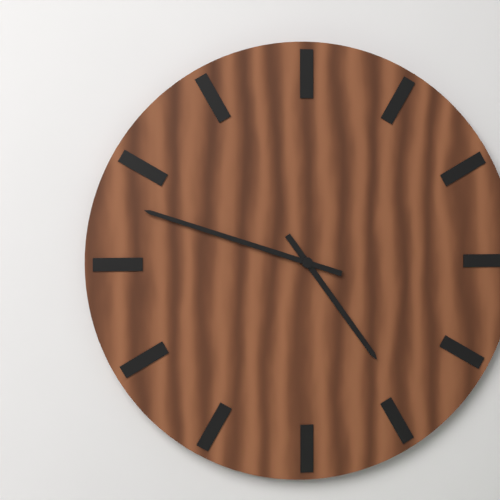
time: 4.48
